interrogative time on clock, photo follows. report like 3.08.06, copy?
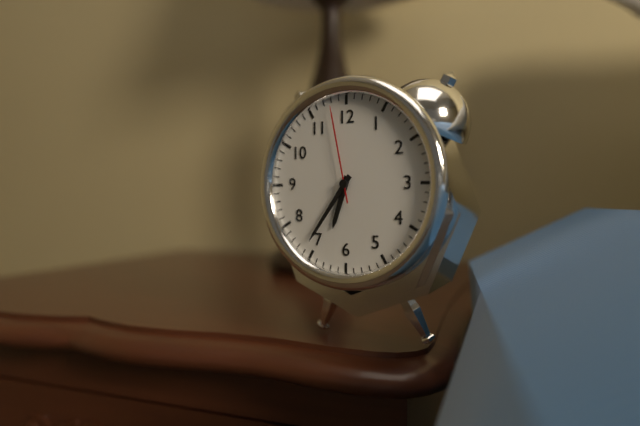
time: 6.36.58
